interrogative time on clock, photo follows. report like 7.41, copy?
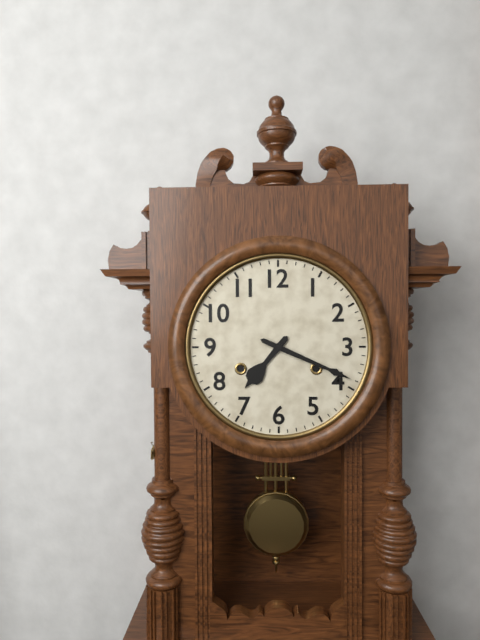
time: 7.19
